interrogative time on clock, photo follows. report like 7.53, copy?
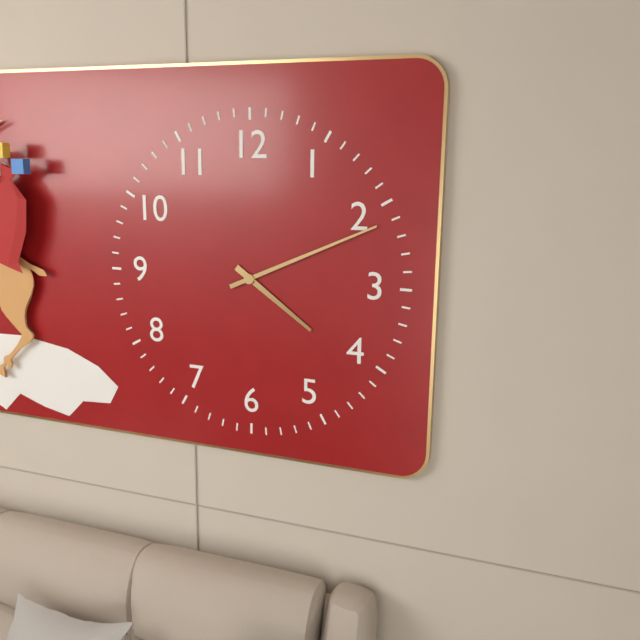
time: 4.11
